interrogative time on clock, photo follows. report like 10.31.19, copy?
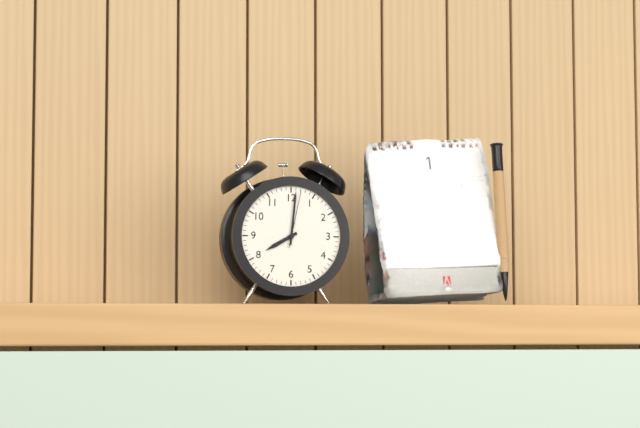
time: 8.01.02
